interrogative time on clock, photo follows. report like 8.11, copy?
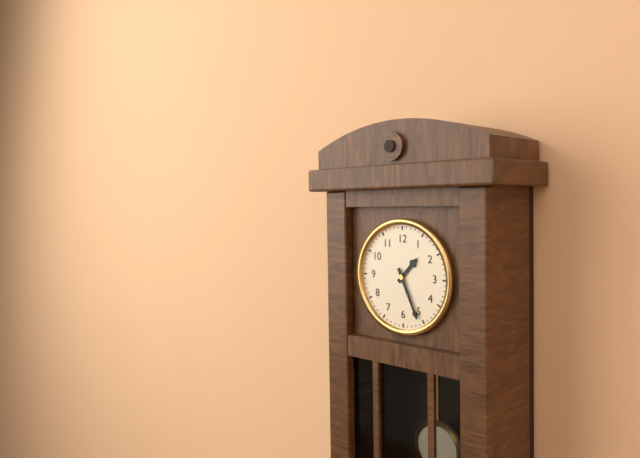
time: 1.26
